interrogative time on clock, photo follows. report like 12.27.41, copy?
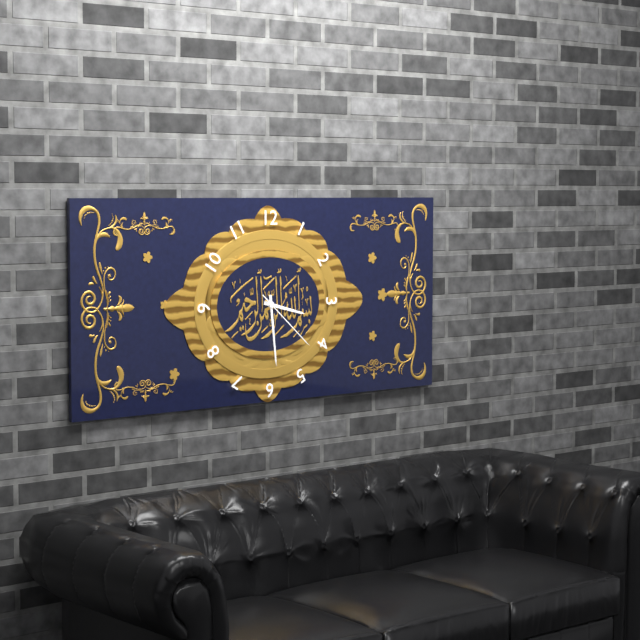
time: 3.29.22
